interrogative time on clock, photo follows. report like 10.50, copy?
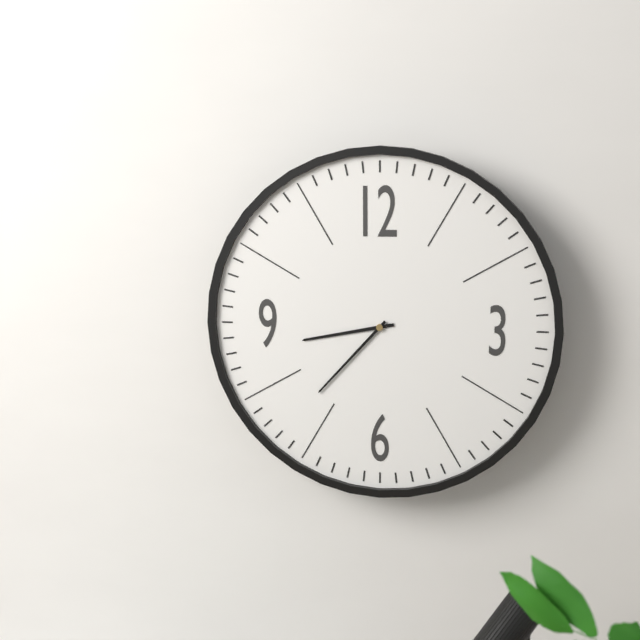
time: 8.37
